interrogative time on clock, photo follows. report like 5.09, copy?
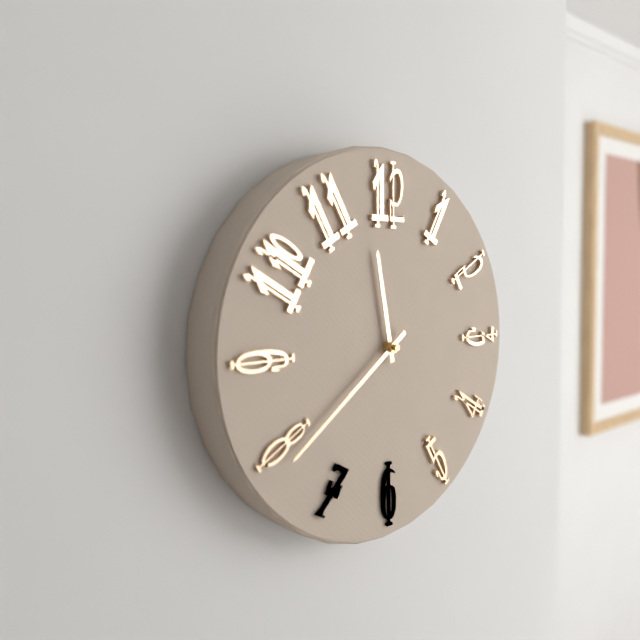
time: 11.39
